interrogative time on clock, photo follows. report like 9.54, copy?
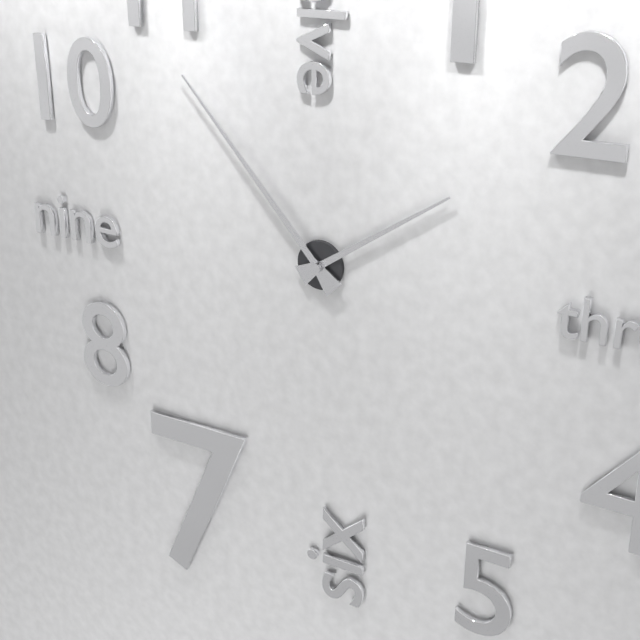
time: 1.53
